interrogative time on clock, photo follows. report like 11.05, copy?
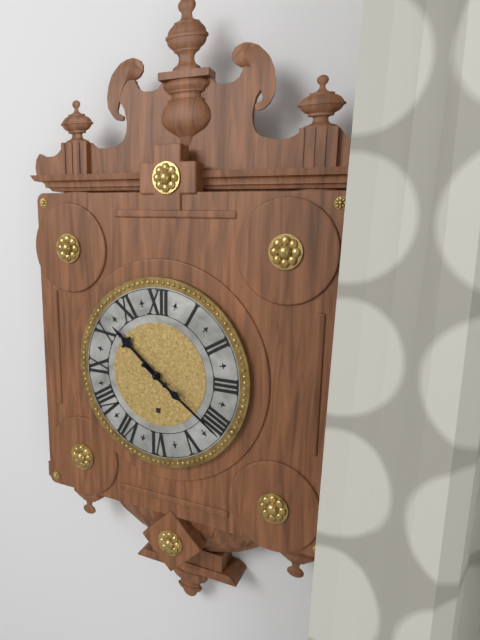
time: 10.21
